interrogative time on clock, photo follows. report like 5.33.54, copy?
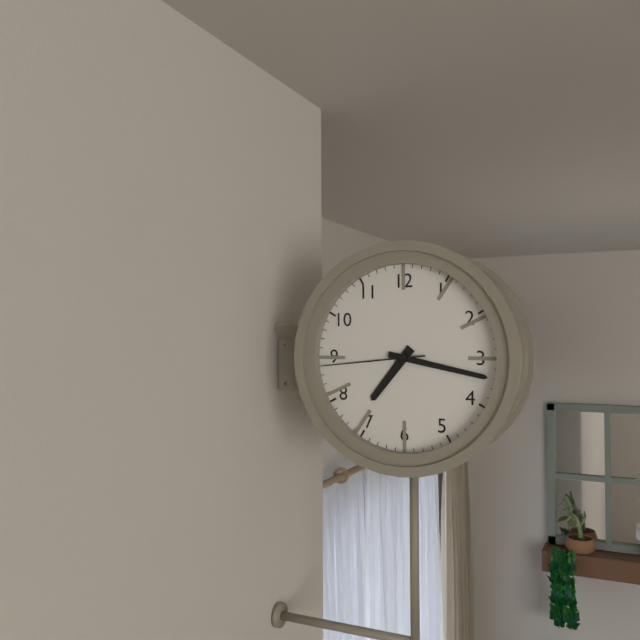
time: 7.17.44
